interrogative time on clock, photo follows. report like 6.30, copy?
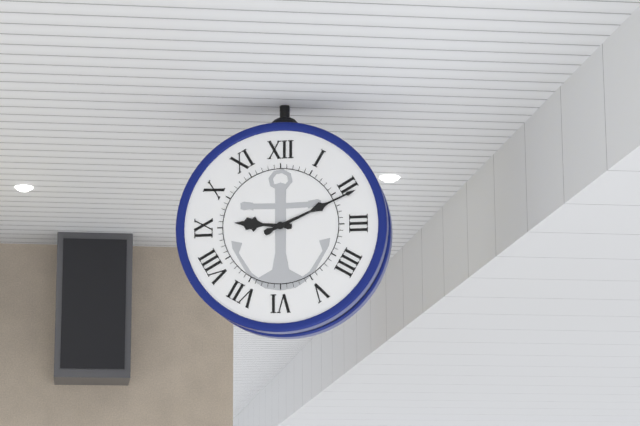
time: 9.11
